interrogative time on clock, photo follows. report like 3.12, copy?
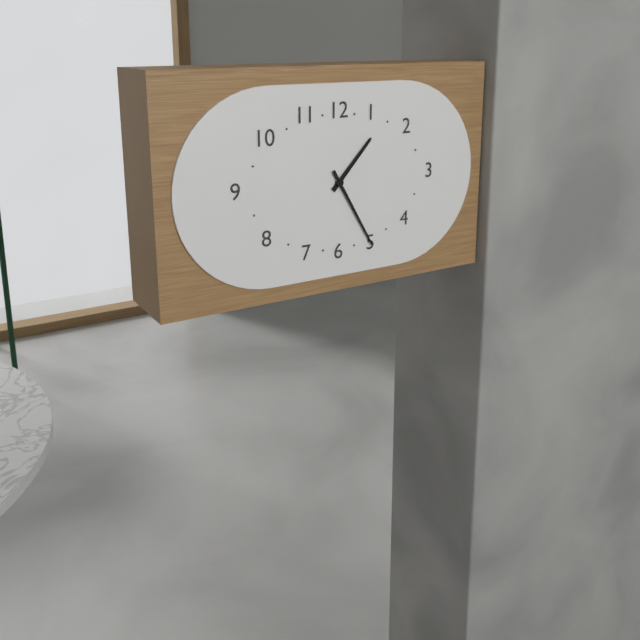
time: 1.25
